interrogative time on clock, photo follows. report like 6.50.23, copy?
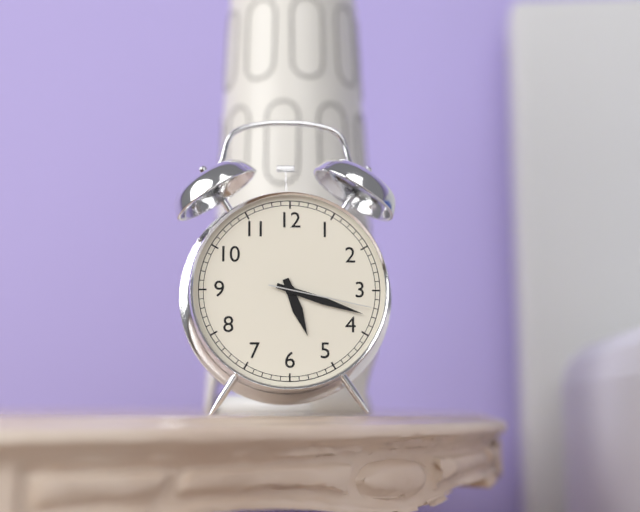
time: 5.18.17
